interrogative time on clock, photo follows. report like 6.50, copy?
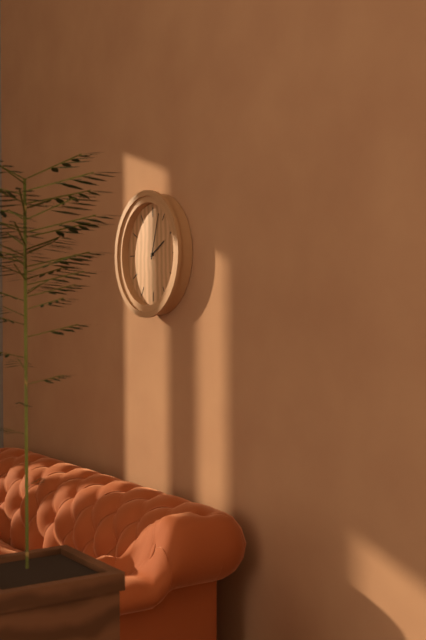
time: 2.03
